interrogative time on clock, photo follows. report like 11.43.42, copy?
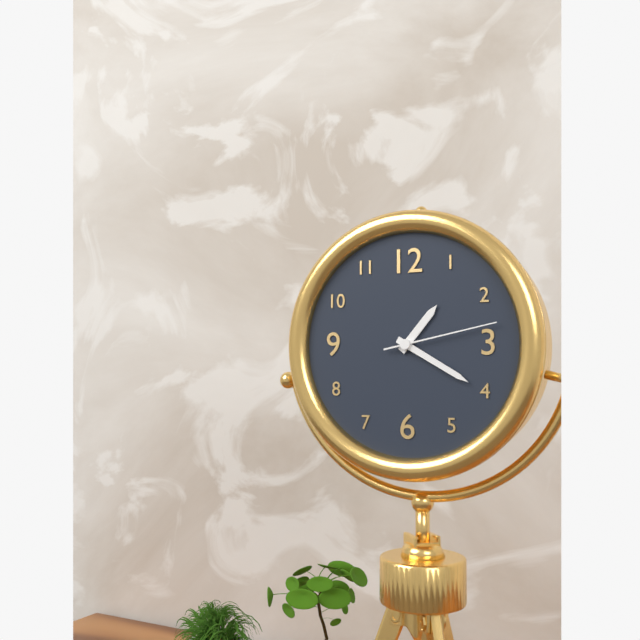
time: 1.20.13
